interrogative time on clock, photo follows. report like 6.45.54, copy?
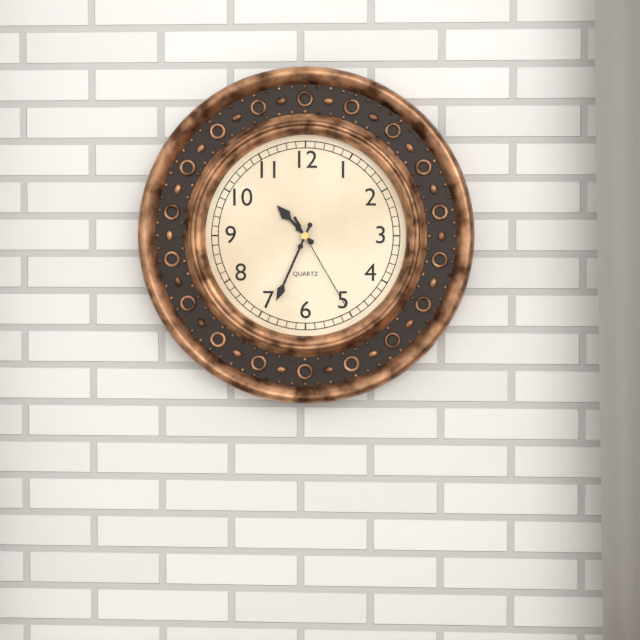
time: 10.34.25
